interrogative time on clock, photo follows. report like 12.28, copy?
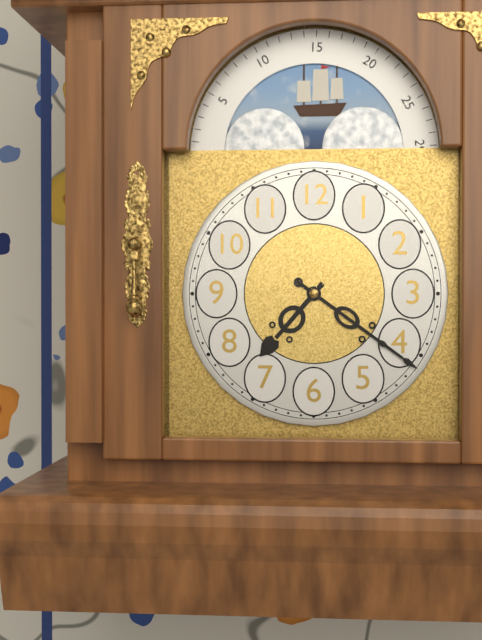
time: 7.21
